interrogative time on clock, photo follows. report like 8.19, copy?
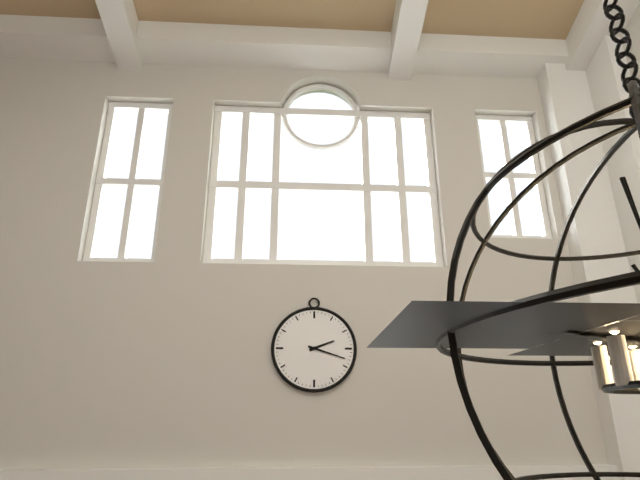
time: 2.18
